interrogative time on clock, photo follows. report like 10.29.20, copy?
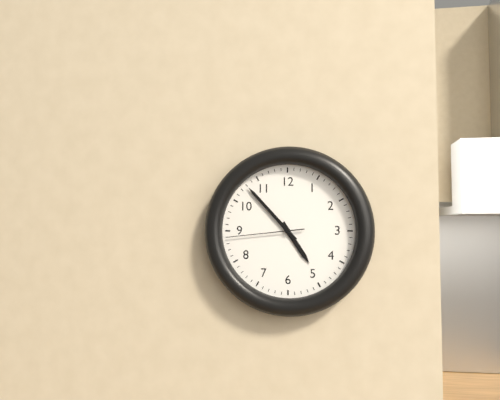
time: 4.53.44
